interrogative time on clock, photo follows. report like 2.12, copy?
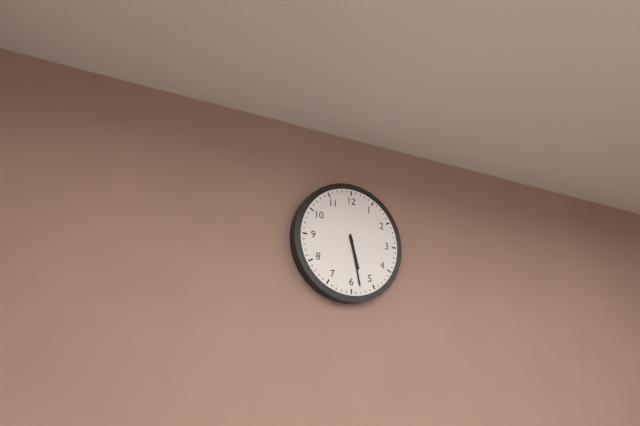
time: 5.28
